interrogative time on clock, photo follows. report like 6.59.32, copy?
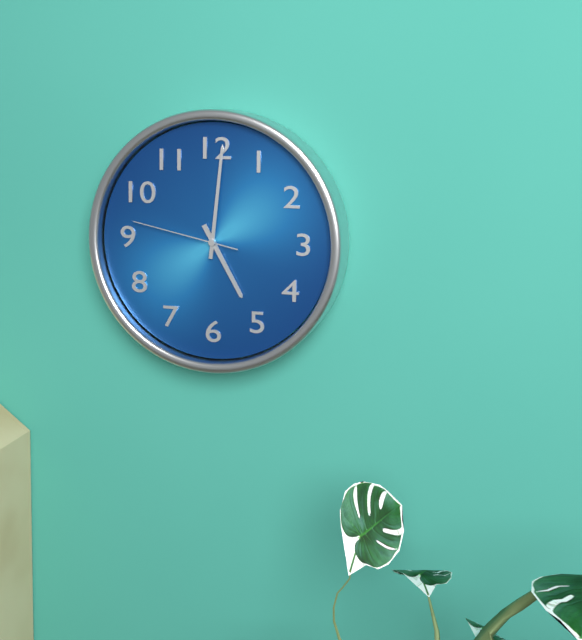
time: 5.01.47
